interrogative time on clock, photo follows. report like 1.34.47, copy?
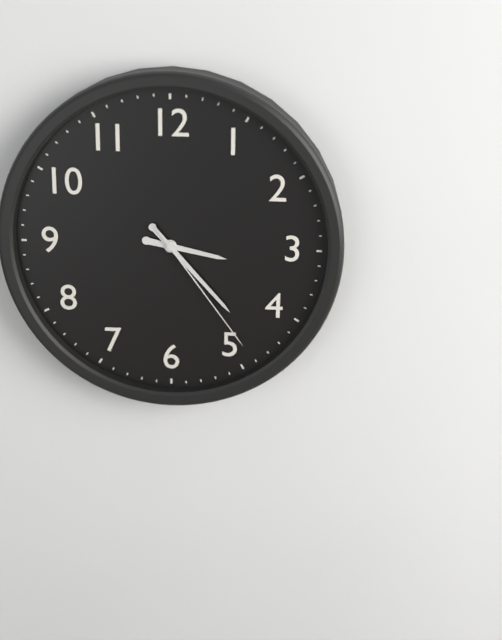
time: 3.23.24
